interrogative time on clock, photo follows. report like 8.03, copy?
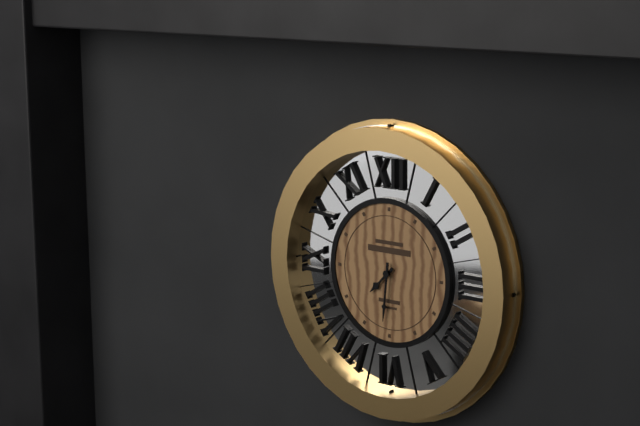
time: 7.31
